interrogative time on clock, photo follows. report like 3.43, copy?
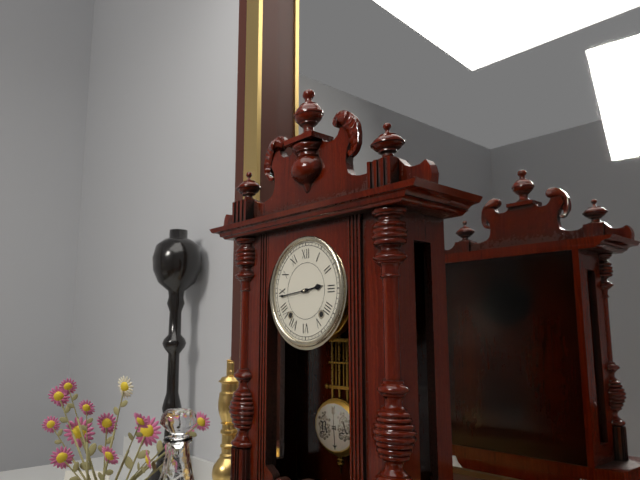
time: 2.44
